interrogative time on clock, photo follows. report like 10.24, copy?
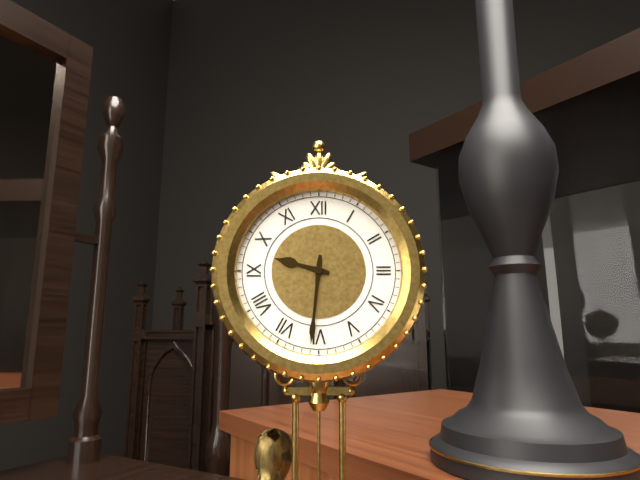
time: 9.31
